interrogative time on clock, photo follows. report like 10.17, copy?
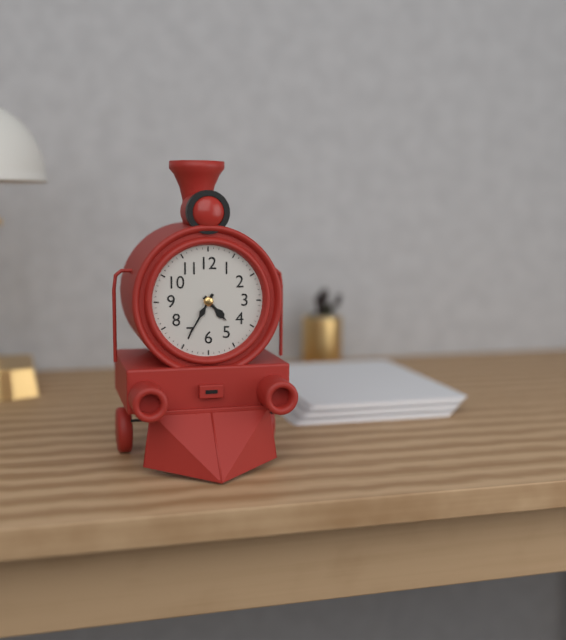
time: 4.35
